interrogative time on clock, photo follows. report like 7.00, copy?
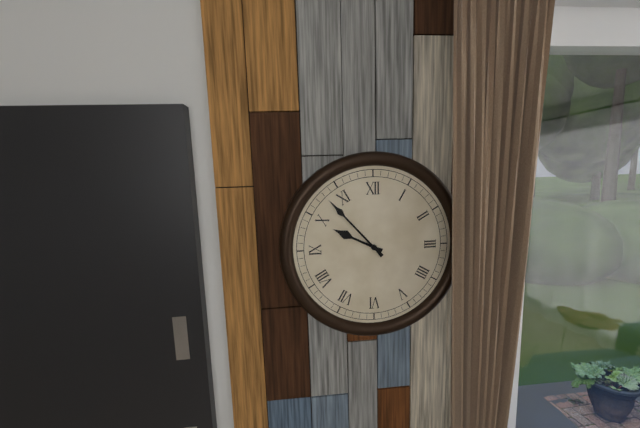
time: 9.53
